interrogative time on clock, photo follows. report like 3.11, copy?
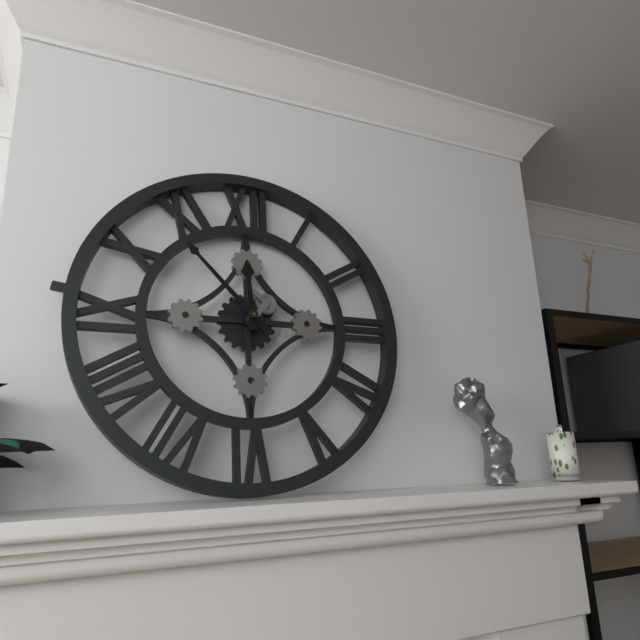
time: 11.53
